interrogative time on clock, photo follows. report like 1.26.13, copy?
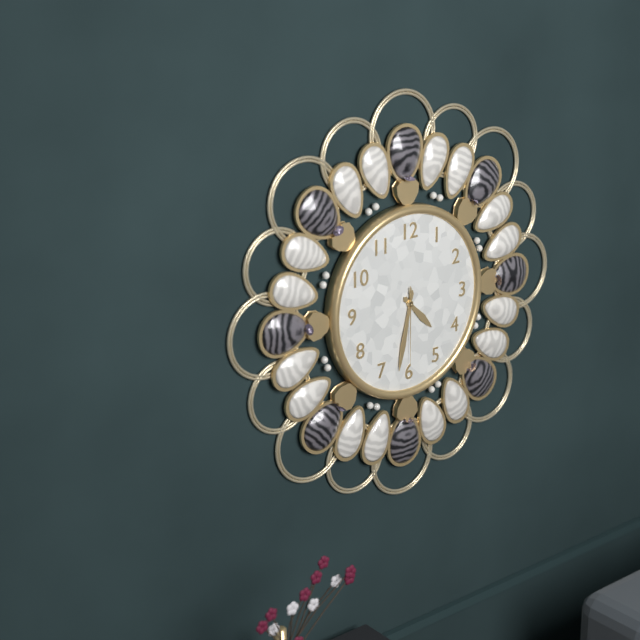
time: 4.32.30
